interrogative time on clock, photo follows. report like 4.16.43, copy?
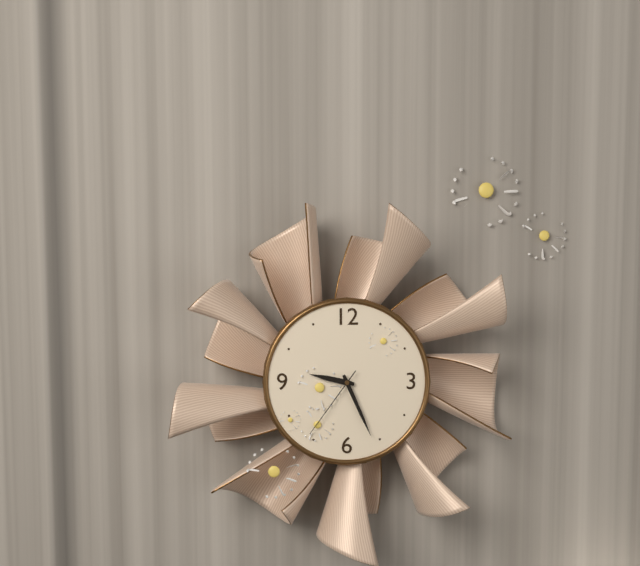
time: 9.26.36
